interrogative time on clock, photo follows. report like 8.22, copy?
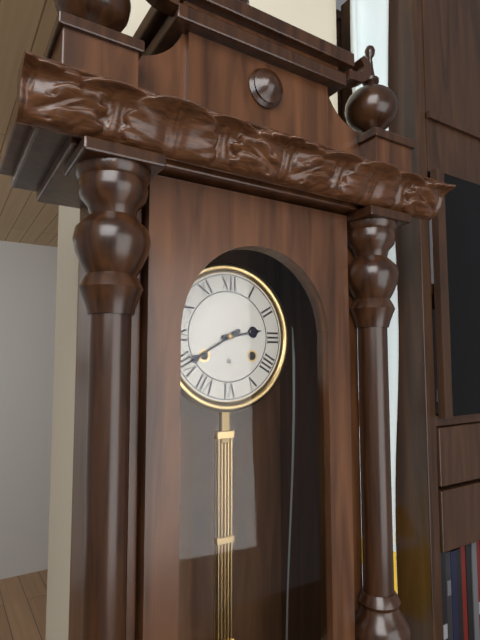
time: 2.40
